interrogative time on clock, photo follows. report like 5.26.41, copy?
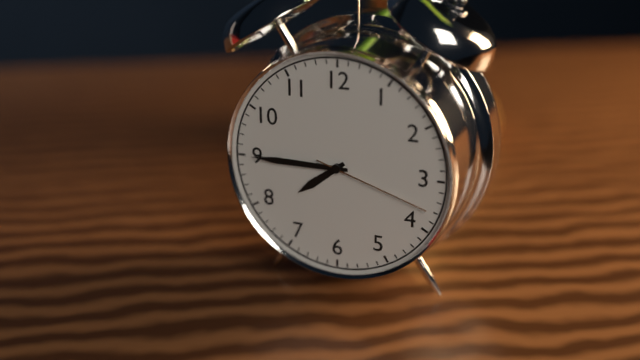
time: 7.45.18
